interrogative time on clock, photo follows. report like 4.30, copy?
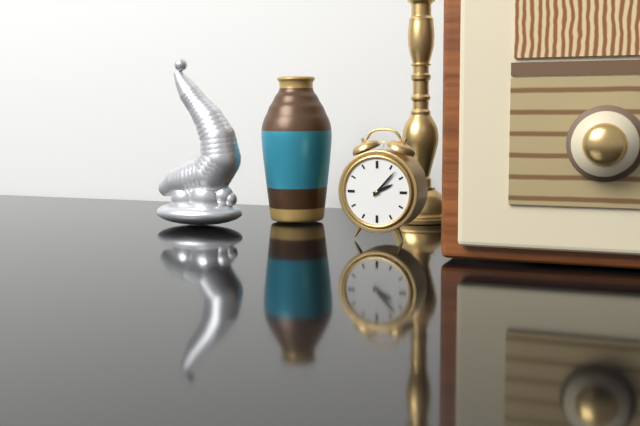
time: 2.07
